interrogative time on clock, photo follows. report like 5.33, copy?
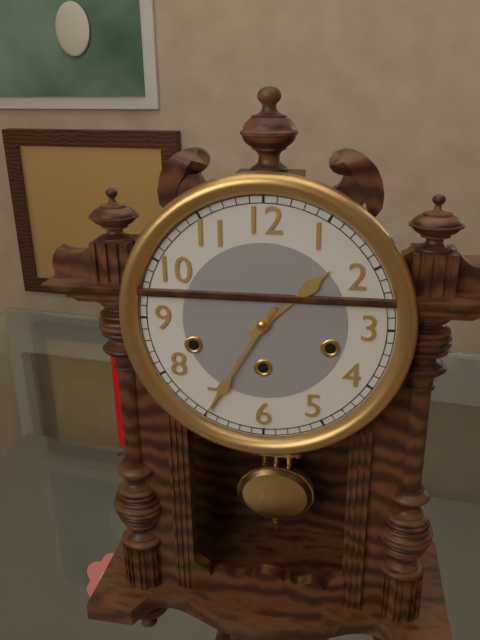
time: 1.35
